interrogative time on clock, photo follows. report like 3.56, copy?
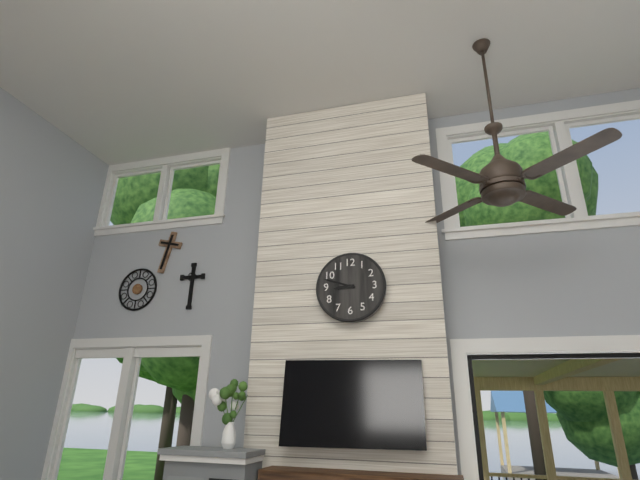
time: 8.48
